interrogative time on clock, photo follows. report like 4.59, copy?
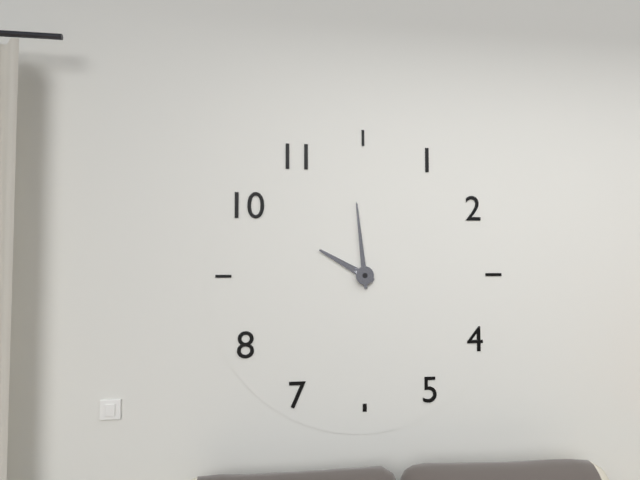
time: 9.59
